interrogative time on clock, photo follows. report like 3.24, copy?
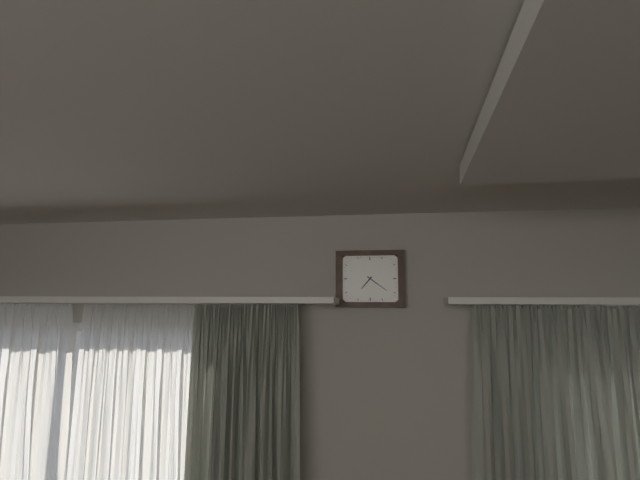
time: 7.21
